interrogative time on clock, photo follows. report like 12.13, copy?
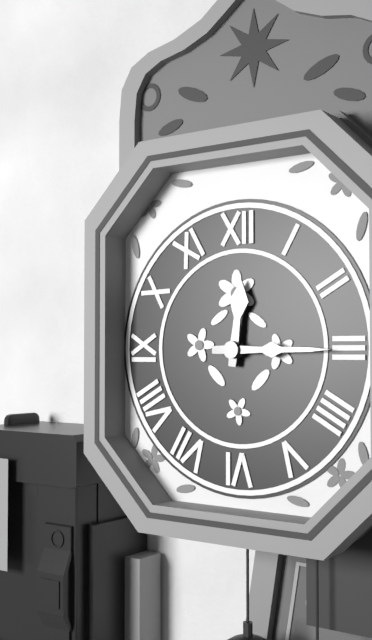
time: 12.15
